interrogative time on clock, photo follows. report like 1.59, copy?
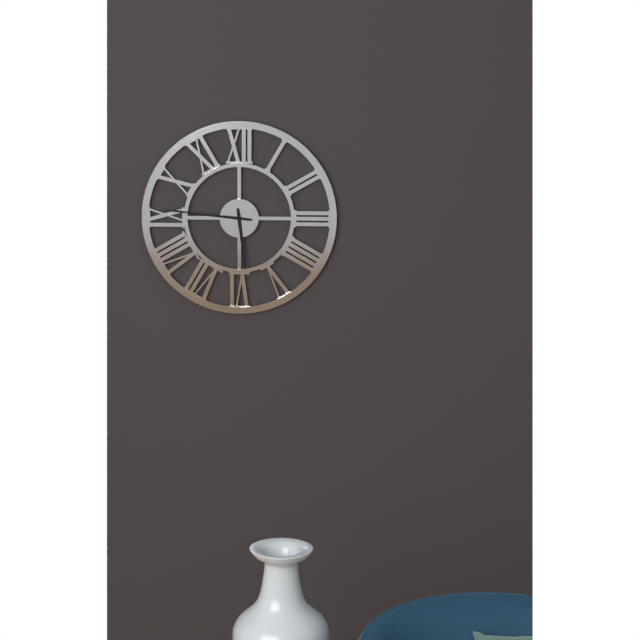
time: 5.46
